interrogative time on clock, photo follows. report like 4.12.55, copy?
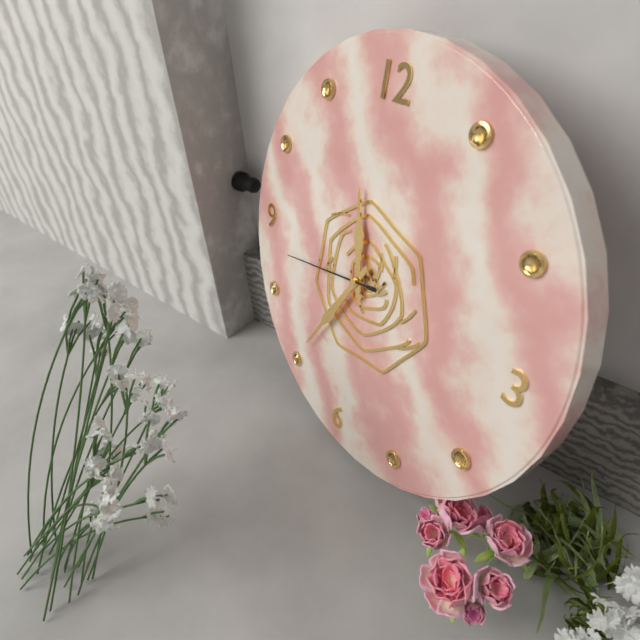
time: 11.35.43
